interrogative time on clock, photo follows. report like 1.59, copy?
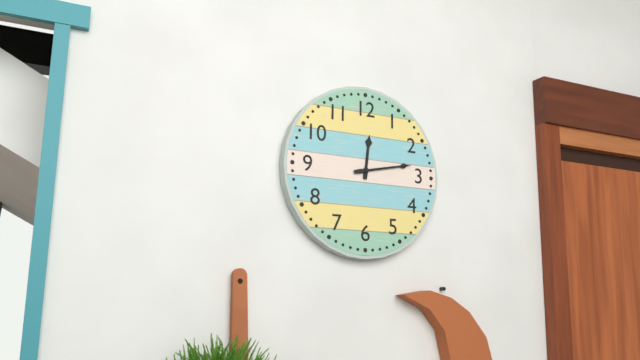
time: 12.13
